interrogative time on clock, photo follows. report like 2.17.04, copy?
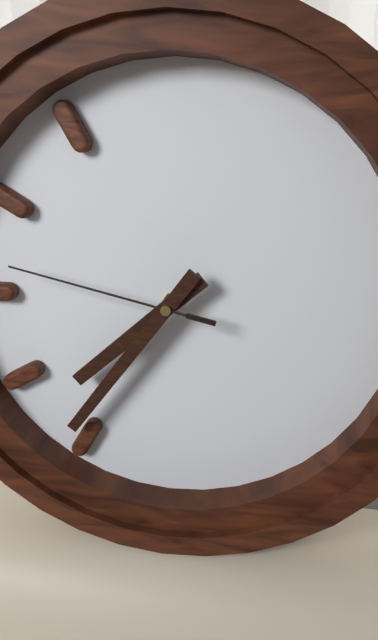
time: 7.36.47
